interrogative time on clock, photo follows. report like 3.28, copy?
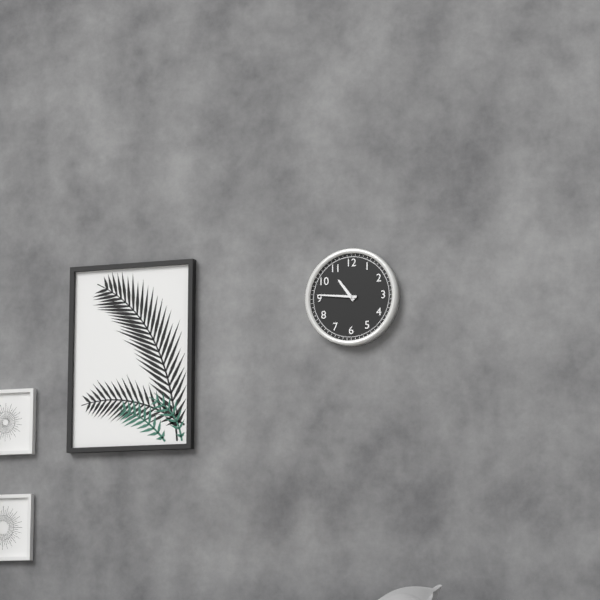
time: 10.46
